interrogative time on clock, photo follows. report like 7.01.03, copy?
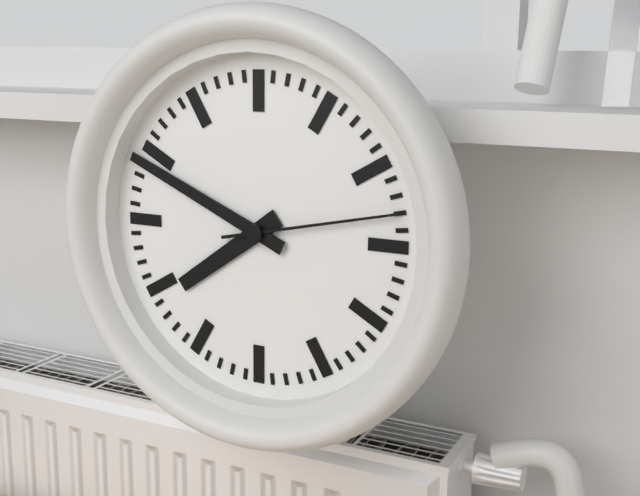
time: 7.49.13
